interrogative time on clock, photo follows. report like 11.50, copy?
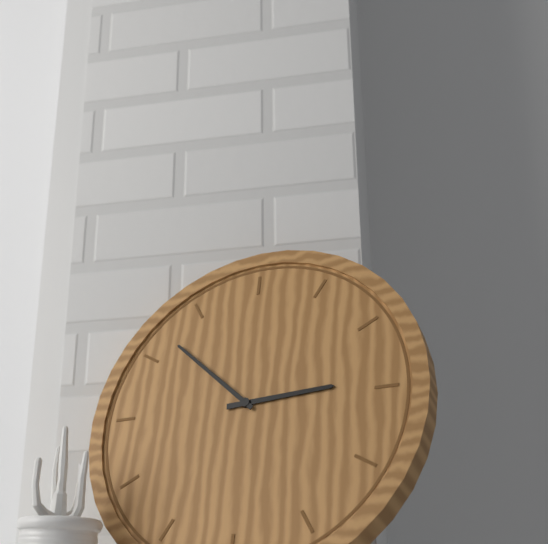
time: 2.52
